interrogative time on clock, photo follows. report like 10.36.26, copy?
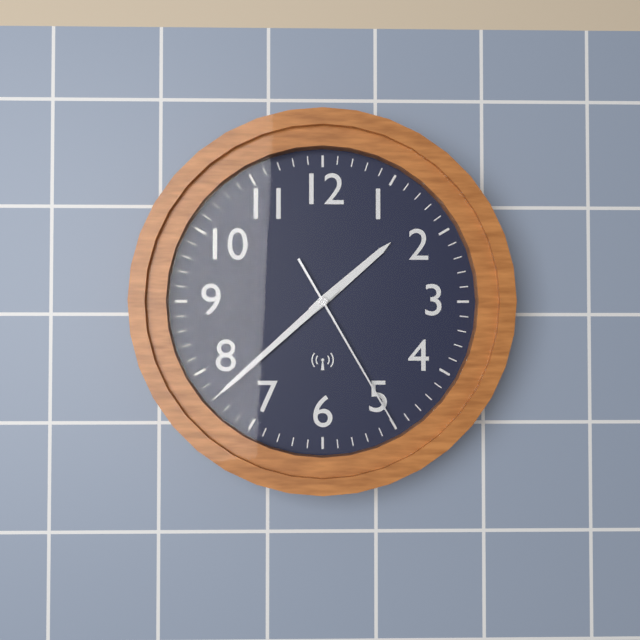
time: 1.38.25
